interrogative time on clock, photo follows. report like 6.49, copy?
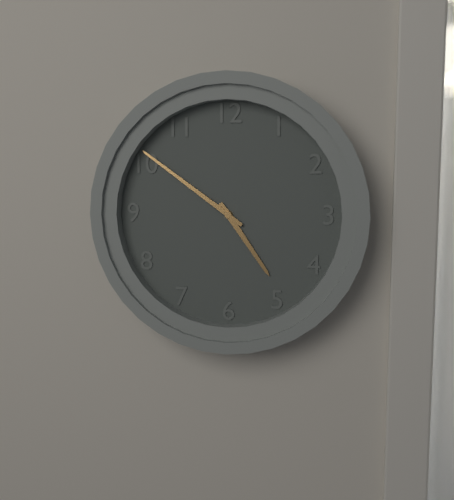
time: 4.51
